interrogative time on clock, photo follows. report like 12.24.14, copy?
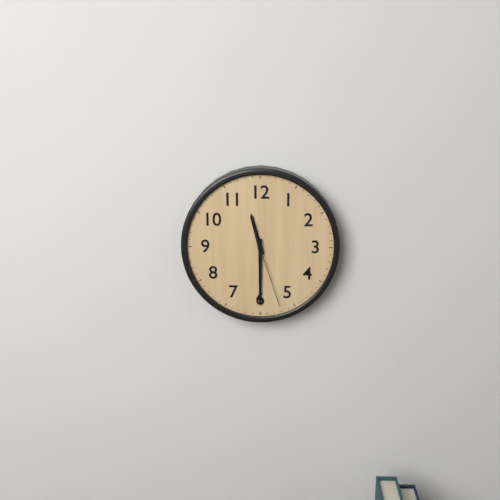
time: 11.30.27
